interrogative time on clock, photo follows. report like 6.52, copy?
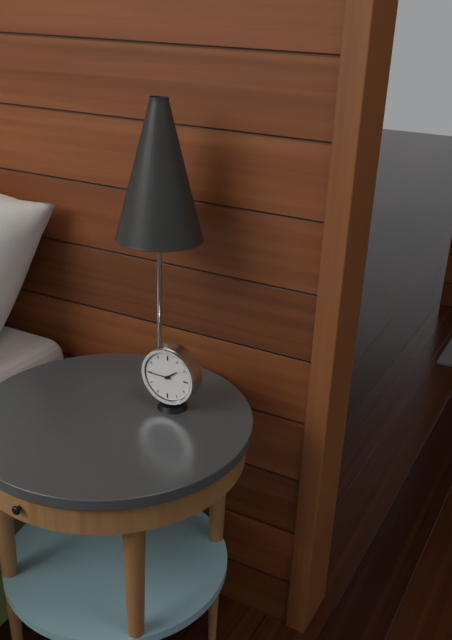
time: 1.45
